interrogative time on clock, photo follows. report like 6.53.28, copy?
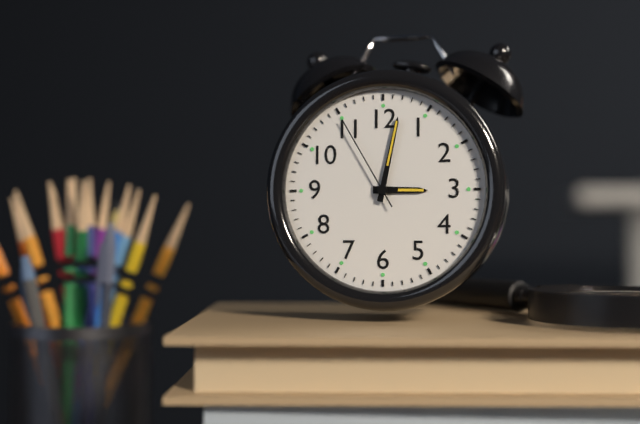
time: 3.02.55
